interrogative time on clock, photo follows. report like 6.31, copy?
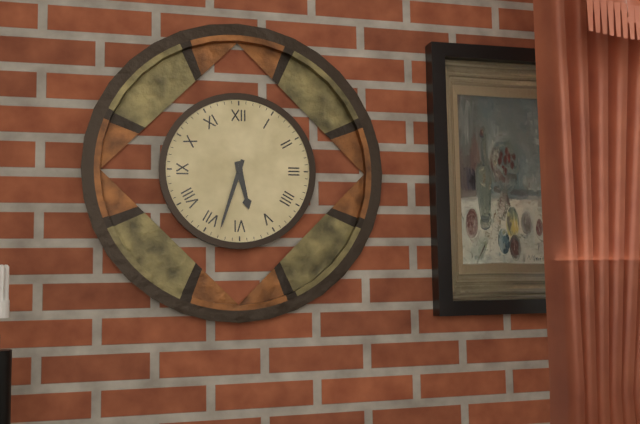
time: 5.33
